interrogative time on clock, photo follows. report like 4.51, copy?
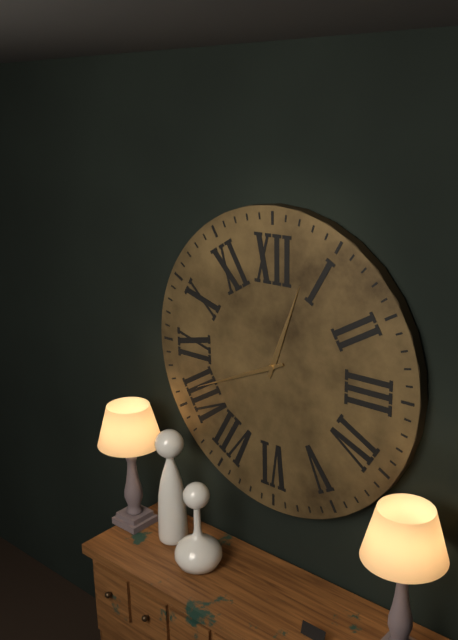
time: 12.41
